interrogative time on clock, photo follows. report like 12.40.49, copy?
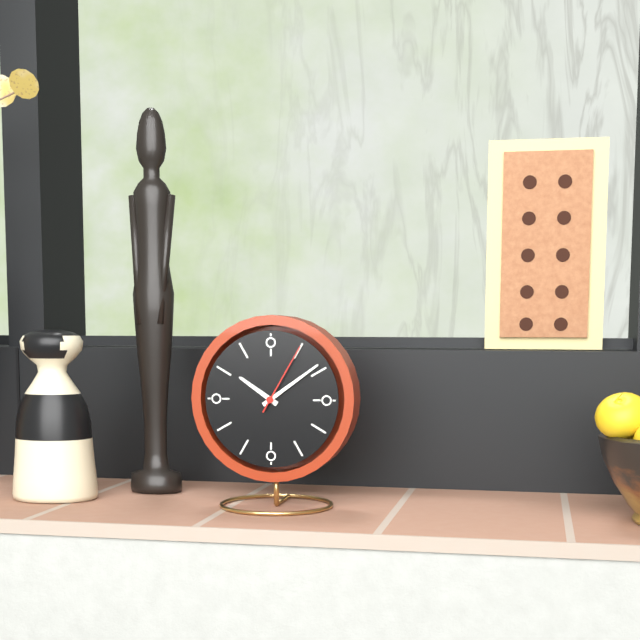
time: 10.09.05
